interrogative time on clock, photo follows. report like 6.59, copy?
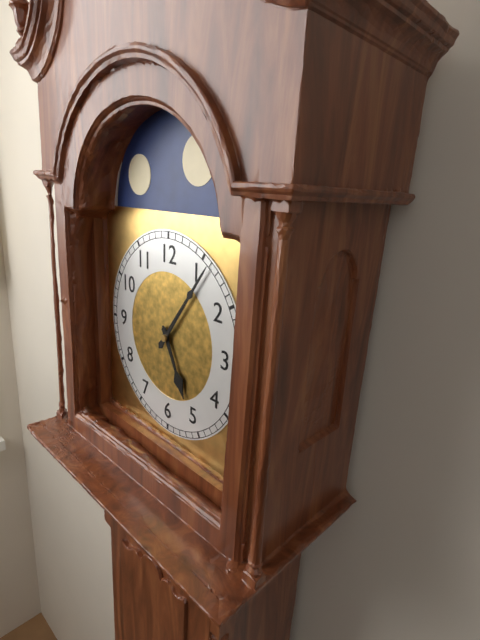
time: 5.06
